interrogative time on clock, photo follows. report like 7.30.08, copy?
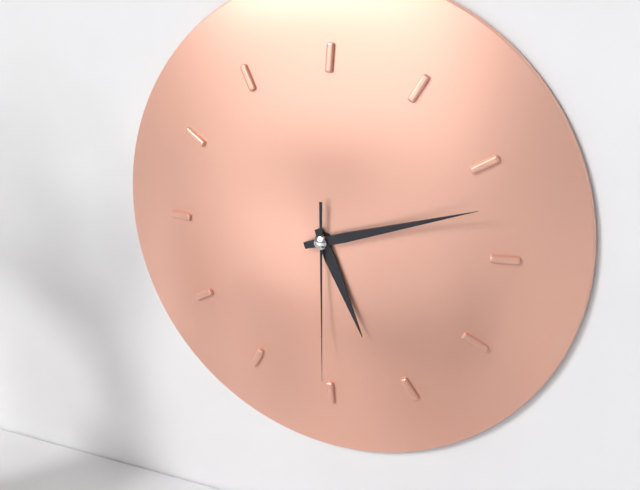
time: 5.12.30
